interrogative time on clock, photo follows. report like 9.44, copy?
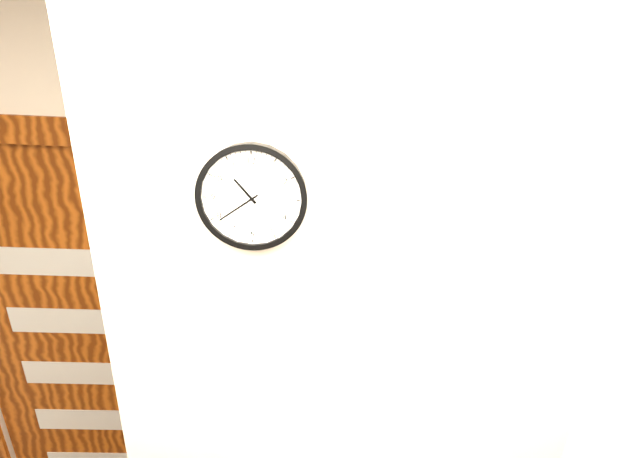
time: 10.39
